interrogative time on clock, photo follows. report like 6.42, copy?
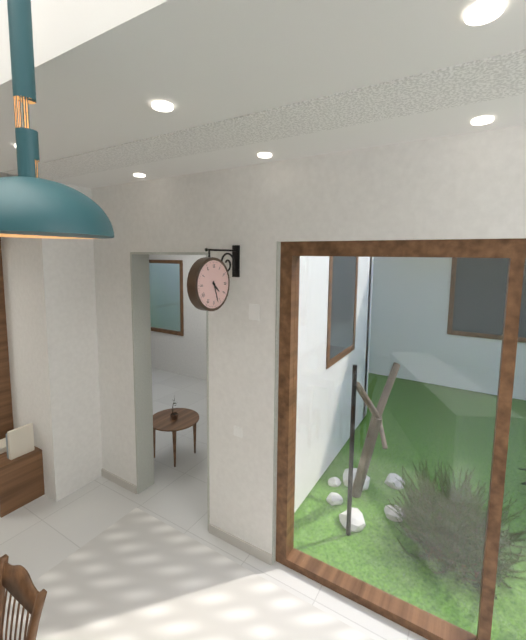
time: 4.27
